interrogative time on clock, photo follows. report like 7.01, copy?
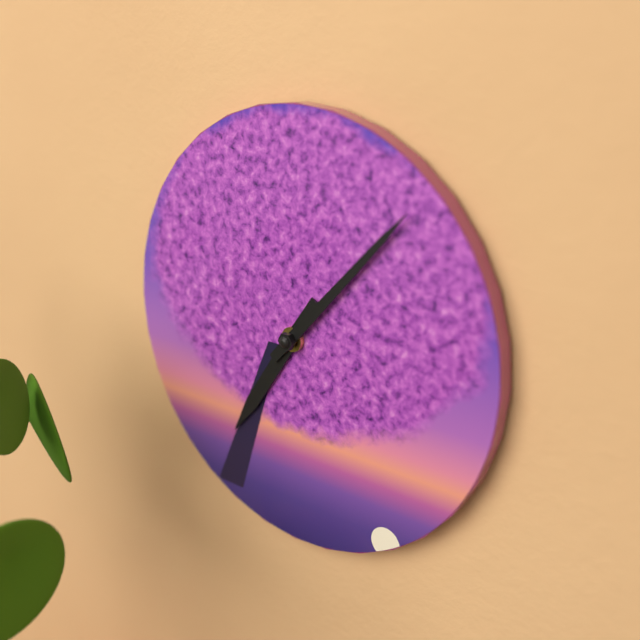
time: 7.07
